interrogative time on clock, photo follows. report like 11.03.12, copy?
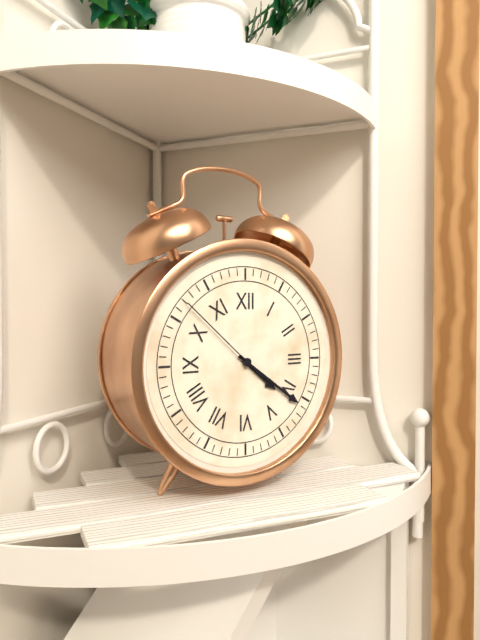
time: 4.21.52
